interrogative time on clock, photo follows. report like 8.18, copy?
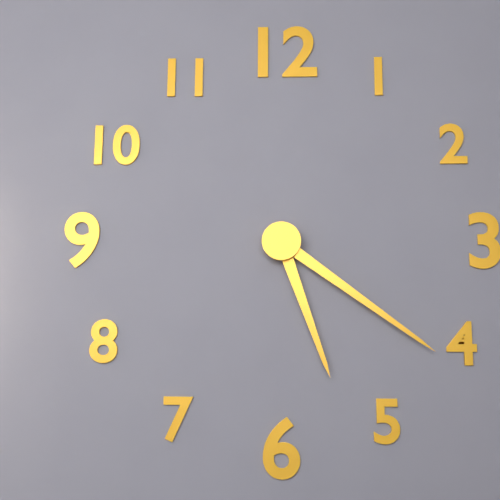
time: 5.21
